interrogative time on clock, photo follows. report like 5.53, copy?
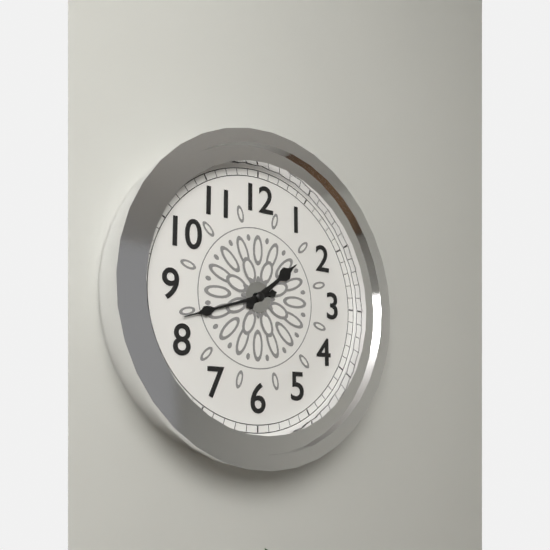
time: 1.42
